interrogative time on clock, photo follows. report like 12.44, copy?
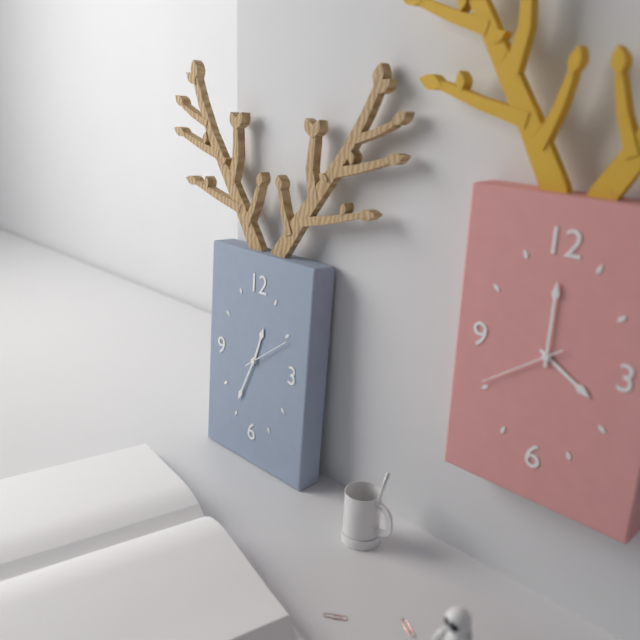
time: 12.34
